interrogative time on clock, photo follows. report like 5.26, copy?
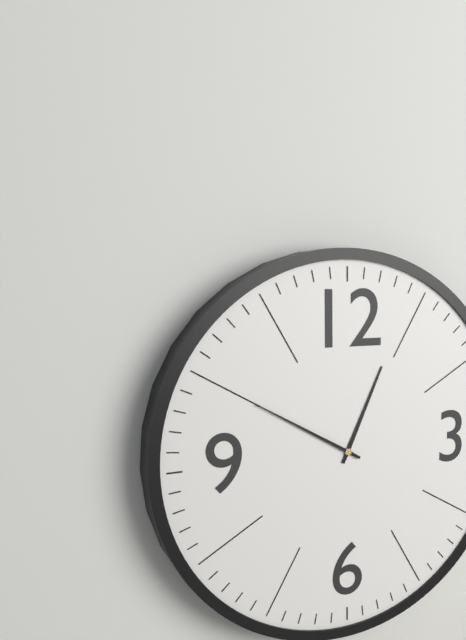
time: 12.50
